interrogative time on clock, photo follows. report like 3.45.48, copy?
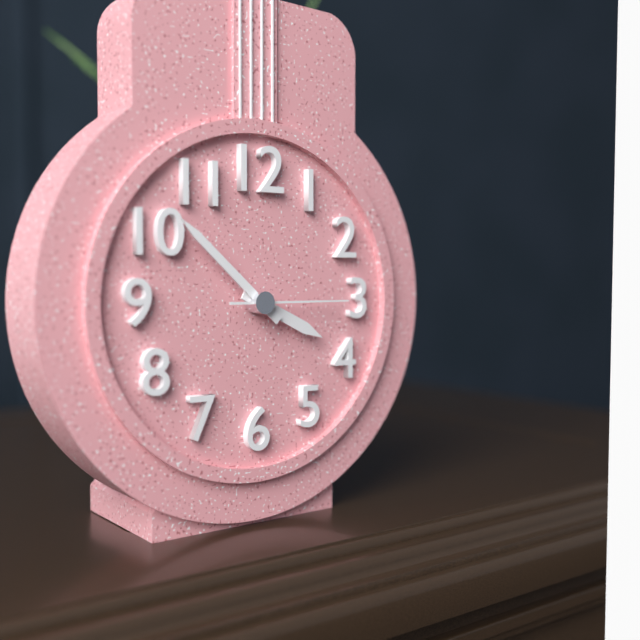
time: 3.52.15
